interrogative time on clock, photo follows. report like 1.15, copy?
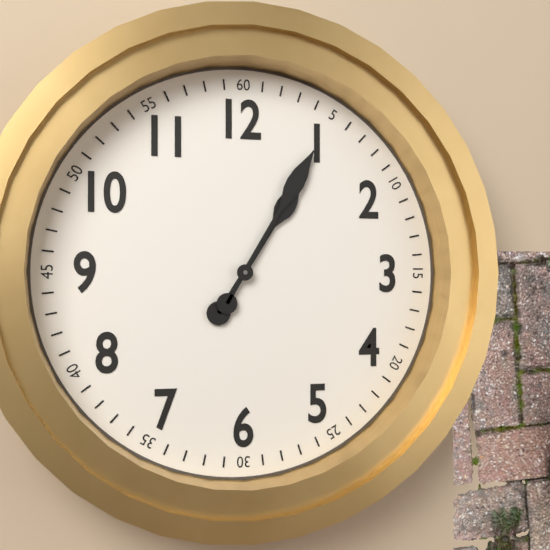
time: 1.05
